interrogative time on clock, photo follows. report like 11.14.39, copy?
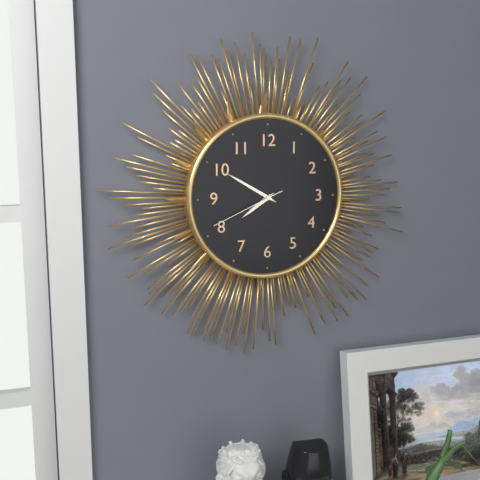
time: 7.50.41
